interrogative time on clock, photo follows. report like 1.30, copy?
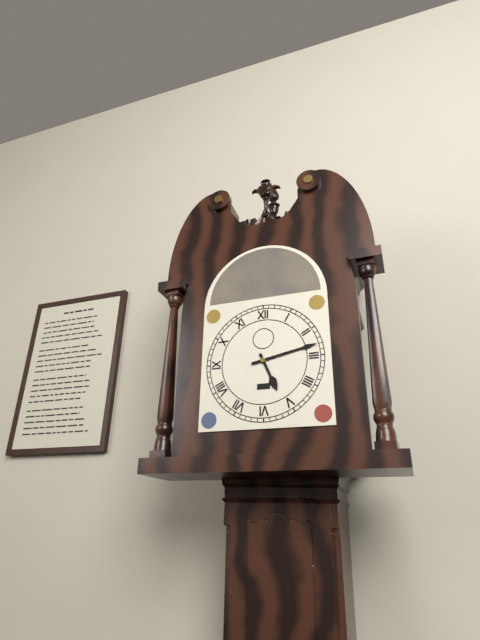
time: 5.13
